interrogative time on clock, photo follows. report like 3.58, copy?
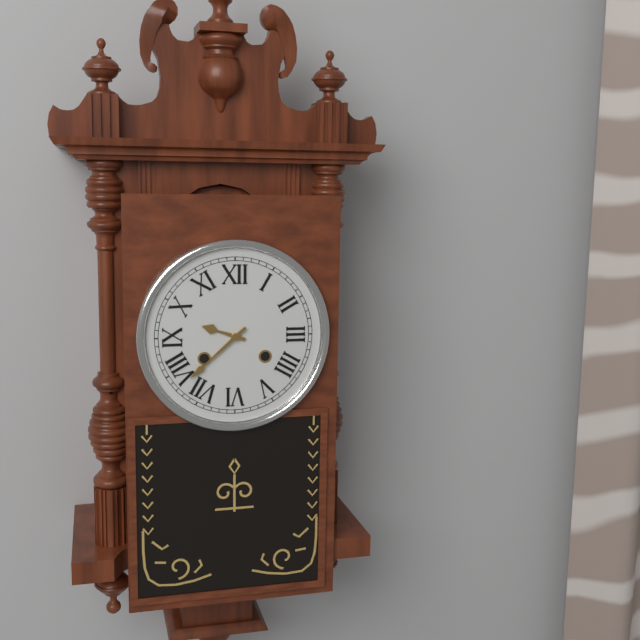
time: 9.38
